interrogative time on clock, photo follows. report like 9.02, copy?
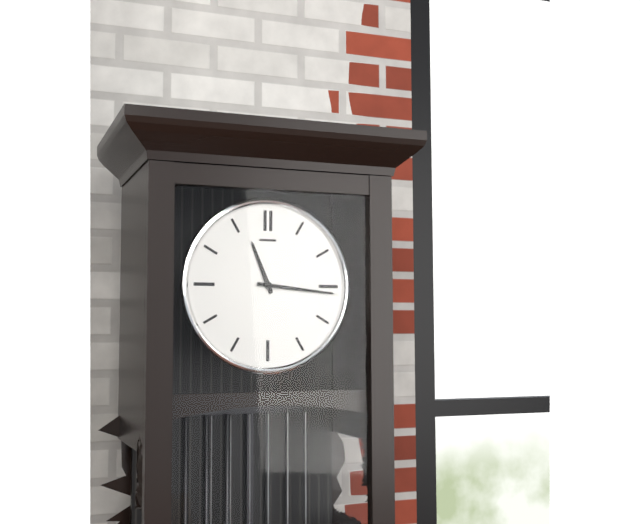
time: 11.16
